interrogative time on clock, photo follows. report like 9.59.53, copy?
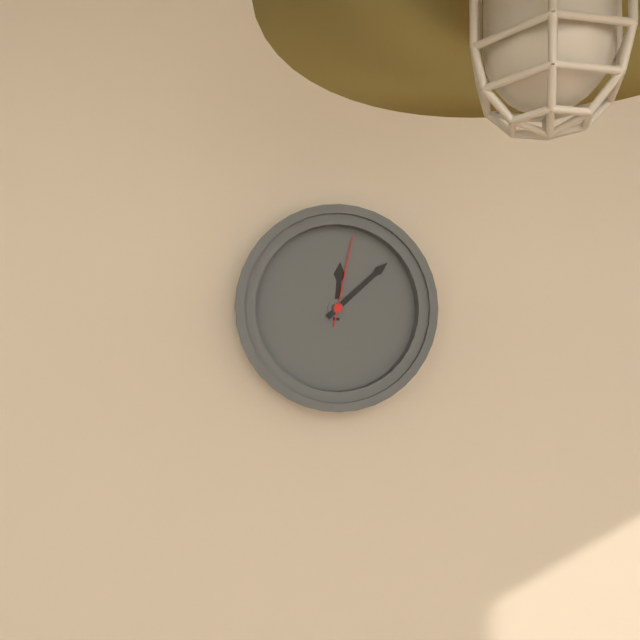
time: 12.08.02
